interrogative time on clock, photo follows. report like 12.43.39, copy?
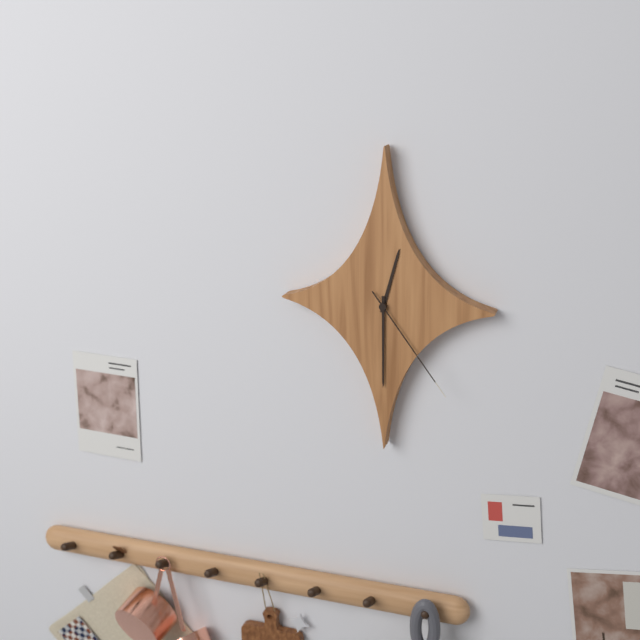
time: 12.30.24
